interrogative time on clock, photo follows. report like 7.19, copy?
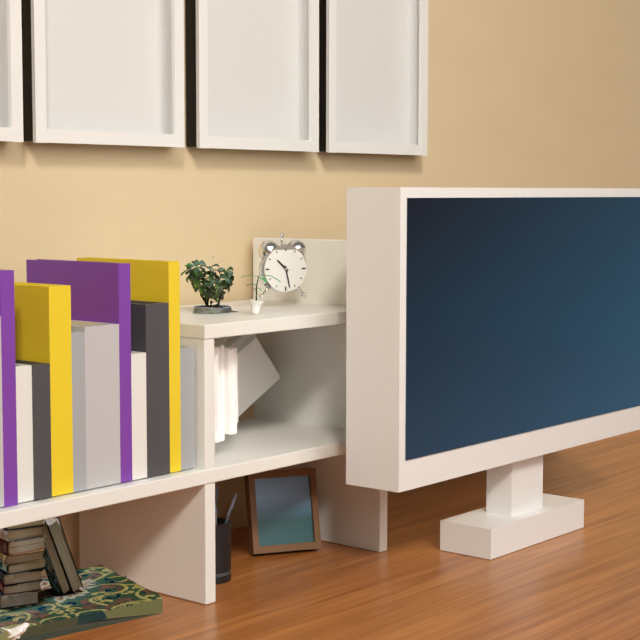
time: 10.28
